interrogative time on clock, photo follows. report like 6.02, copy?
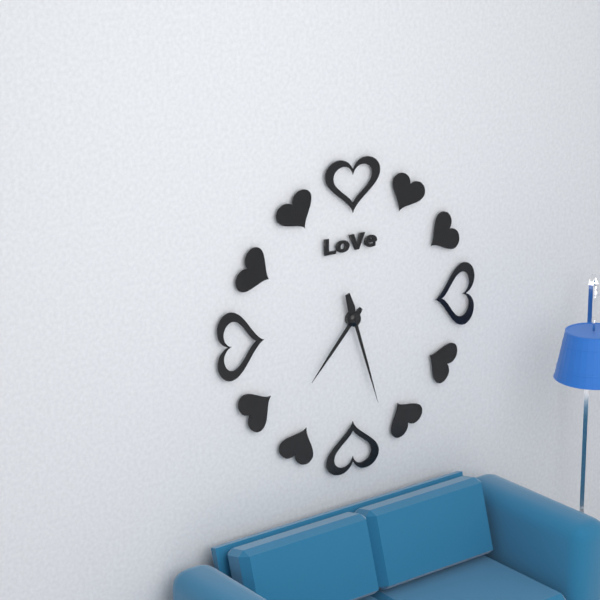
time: 7.27
